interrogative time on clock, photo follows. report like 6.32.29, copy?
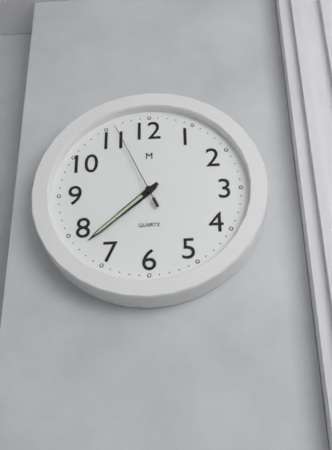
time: 7.38.56
